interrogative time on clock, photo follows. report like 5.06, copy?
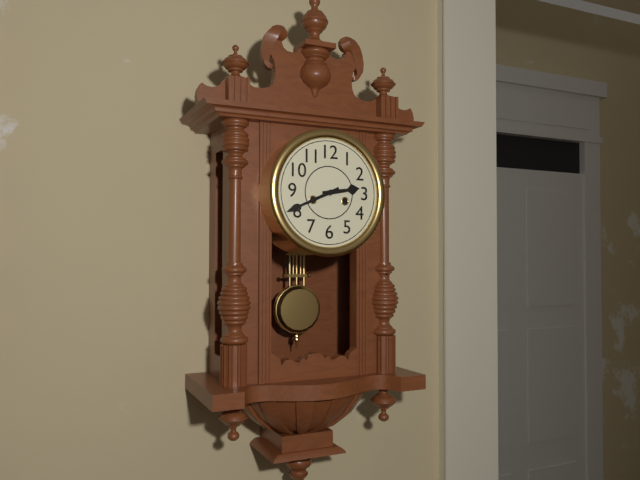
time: 2.41
